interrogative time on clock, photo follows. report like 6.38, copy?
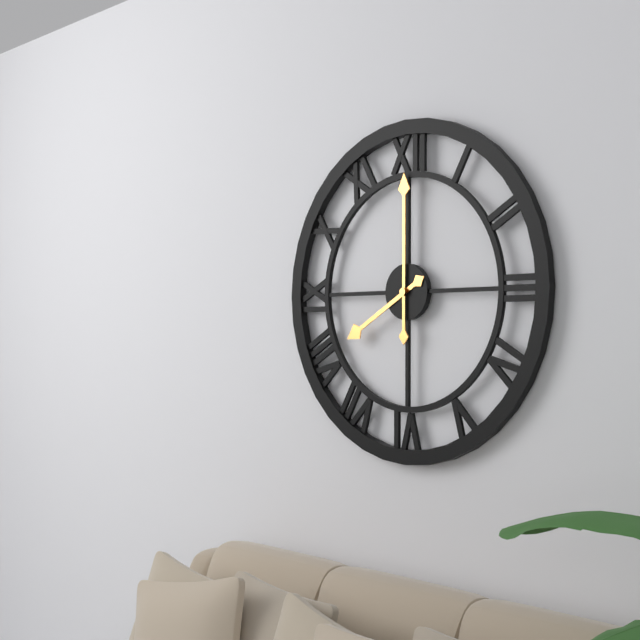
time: 8.00
